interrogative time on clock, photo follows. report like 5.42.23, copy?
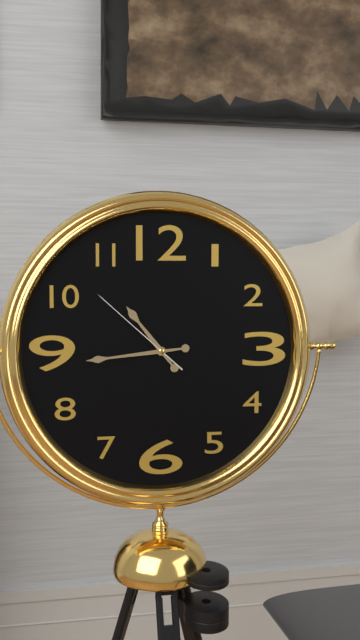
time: 10.44.52
